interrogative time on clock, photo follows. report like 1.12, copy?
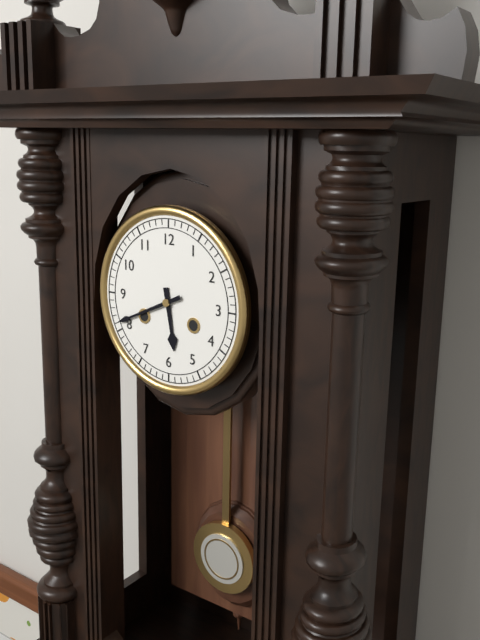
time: 5.41
